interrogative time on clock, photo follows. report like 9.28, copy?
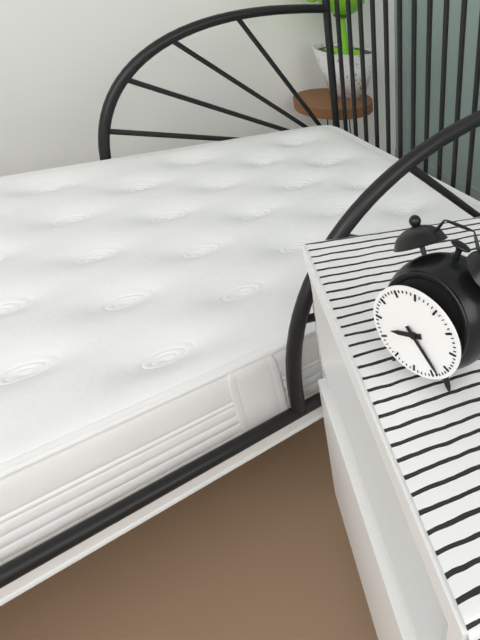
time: 8.23
